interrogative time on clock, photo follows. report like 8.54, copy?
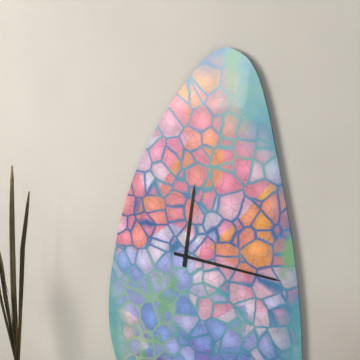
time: 12.16
